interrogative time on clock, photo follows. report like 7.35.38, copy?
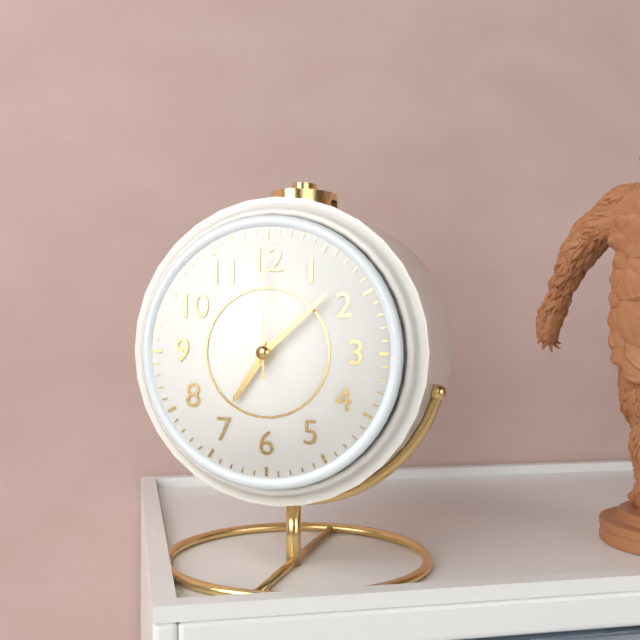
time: 7.08.00
